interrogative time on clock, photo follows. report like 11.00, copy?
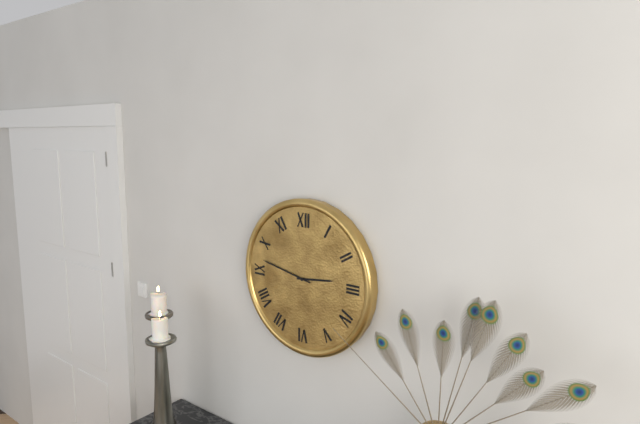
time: 2.47
